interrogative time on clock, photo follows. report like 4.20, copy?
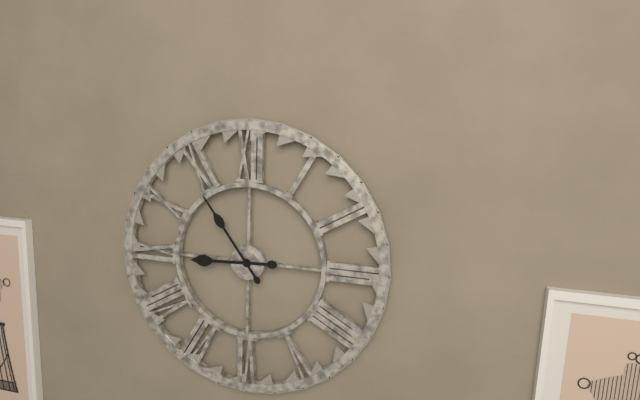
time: 8.54
